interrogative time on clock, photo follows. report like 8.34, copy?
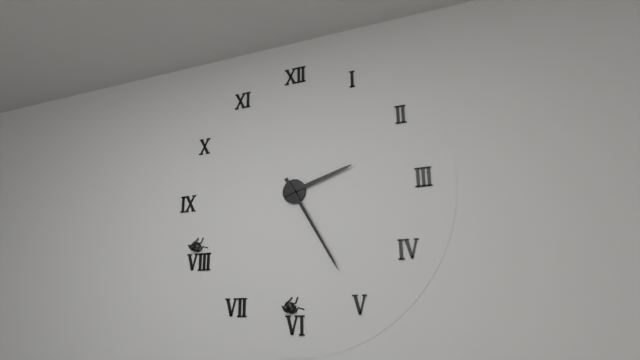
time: 2.25
